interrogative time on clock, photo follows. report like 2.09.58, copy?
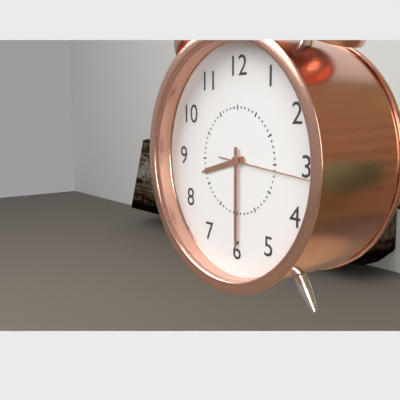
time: 8.30.16
